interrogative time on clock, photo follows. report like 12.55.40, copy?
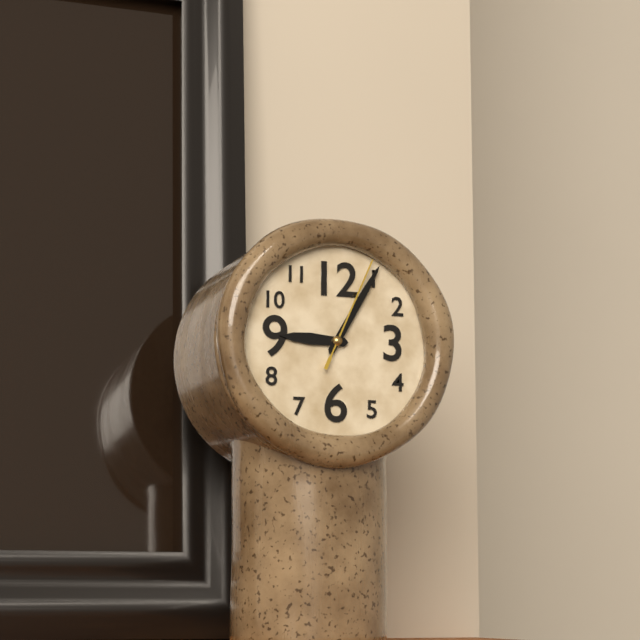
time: 9.05.04
